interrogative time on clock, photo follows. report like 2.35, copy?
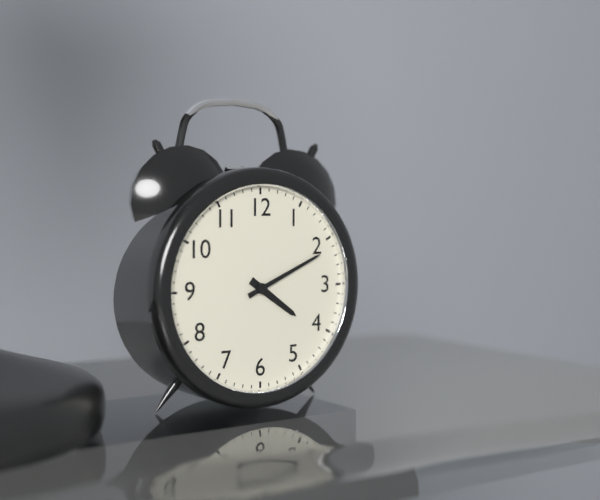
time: 4.11
